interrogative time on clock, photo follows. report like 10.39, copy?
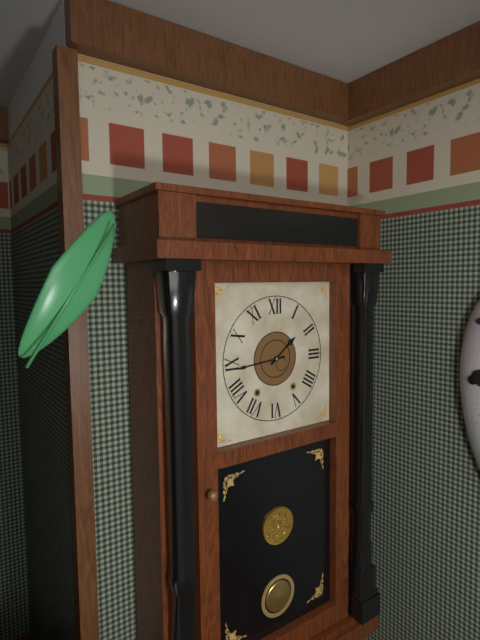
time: 1.44
